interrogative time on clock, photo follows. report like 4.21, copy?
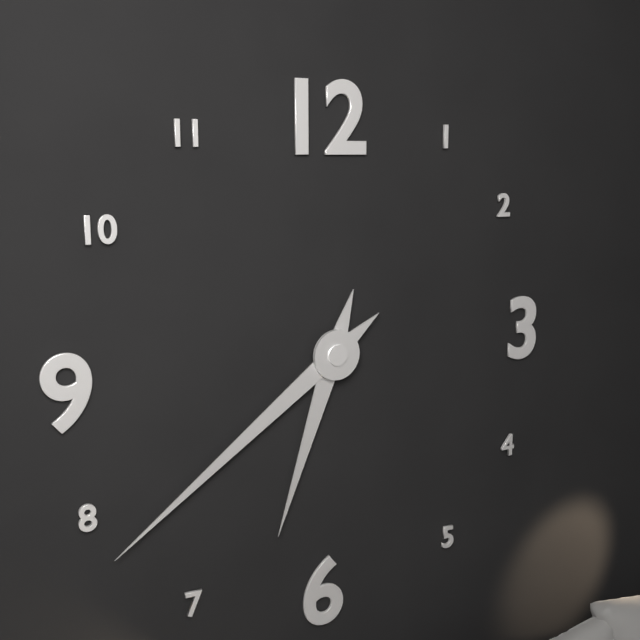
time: 6.39
